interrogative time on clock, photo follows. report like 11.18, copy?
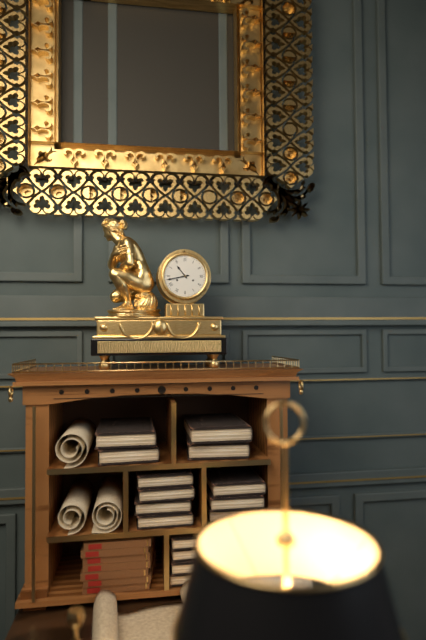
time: 10.43
